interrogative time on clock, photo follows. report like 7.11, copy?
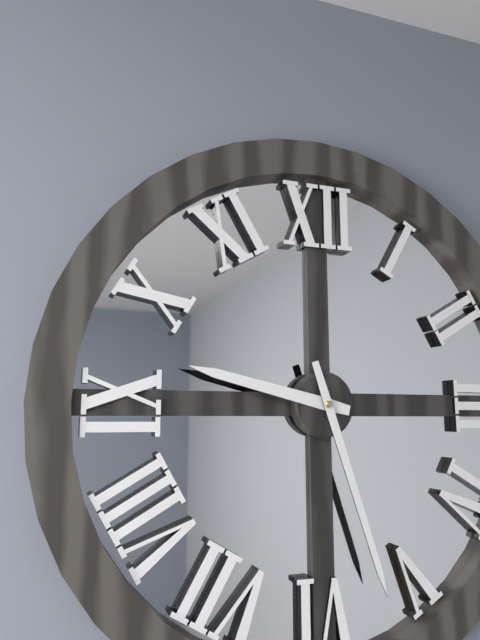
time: 9.27
